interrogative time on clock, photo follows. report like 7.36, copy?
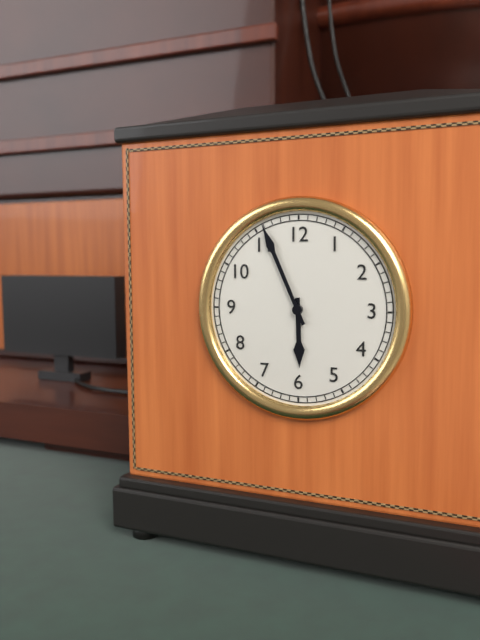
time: 5.56
